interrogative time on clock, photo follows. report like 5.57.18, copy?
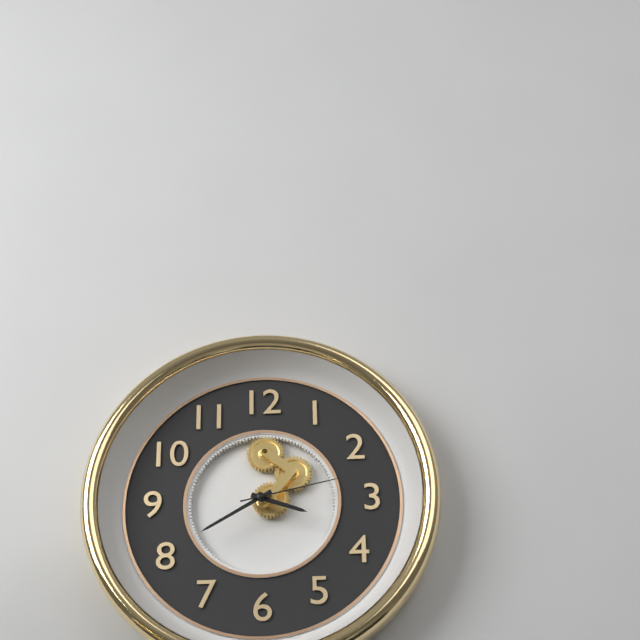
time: 3.40.13
